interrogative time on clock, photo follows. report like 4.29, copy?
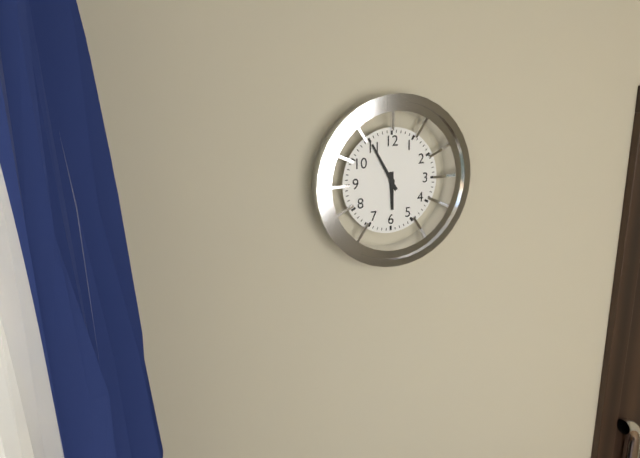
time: 5.55
